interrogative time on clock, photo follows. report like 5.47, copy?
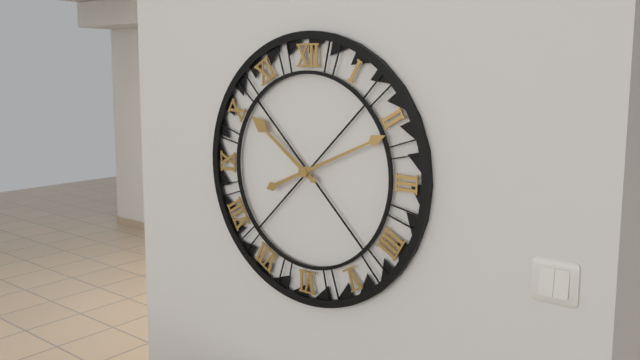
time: 10.11
